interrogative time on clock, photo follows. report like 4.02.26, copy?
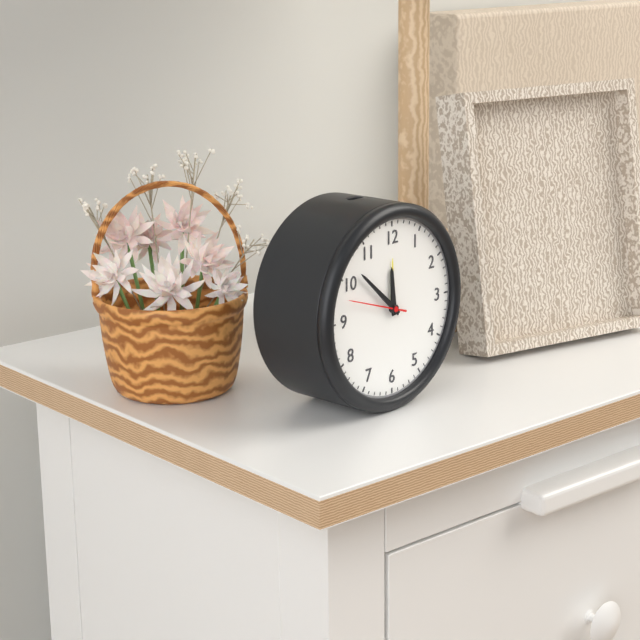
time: 11.52.48
